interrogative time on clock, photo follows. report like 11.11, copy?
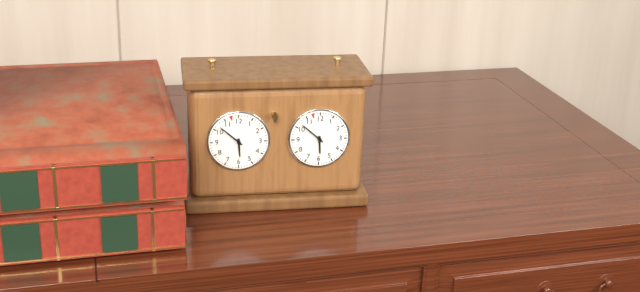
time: 5.52
